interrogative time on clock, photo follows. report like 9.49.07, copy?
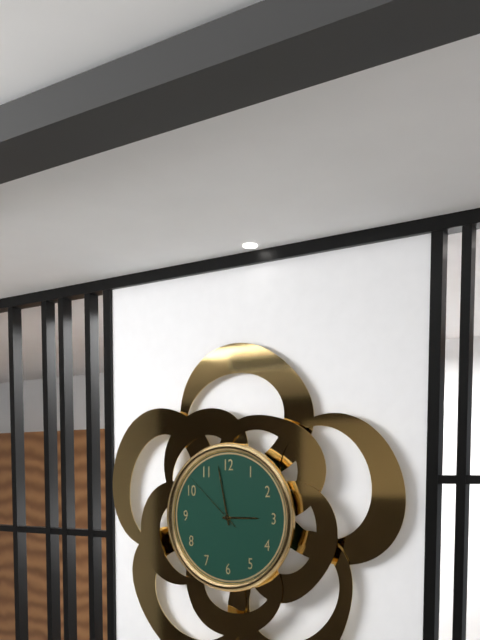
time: 2.58.52
